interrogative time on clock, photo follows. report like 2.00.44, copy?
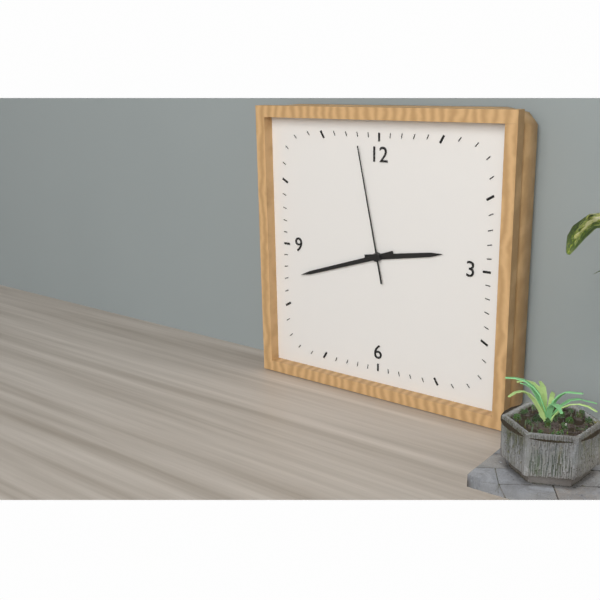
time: 2.42.58
